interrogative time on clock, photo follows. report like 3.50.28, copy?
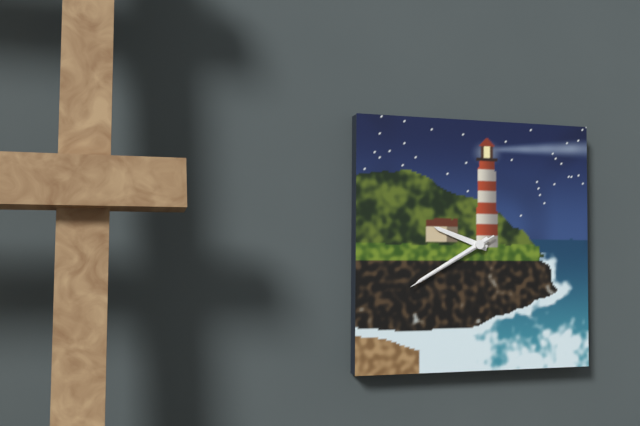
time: 9.40.40
